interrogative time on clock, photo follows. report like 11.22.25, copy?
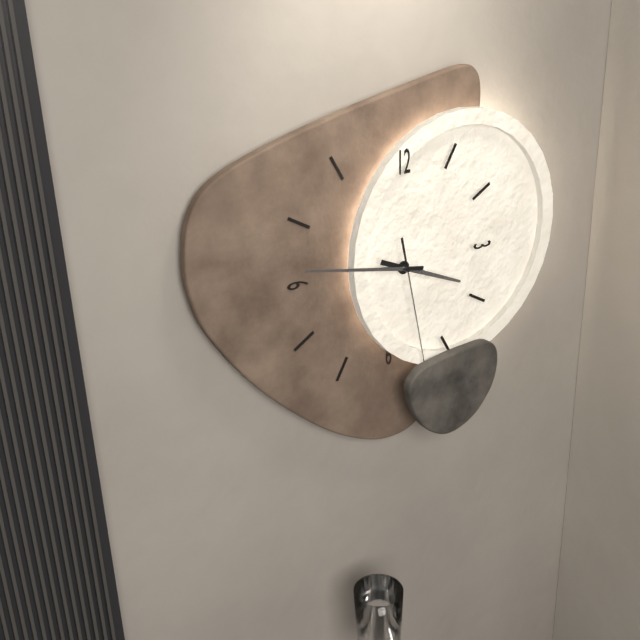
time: 3.47.28
